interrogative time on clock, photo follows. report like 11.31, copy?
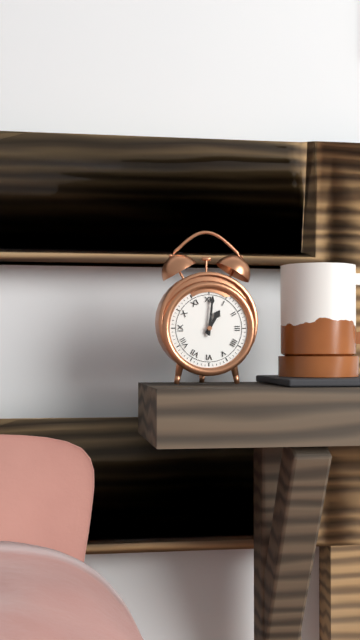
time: 1.01
